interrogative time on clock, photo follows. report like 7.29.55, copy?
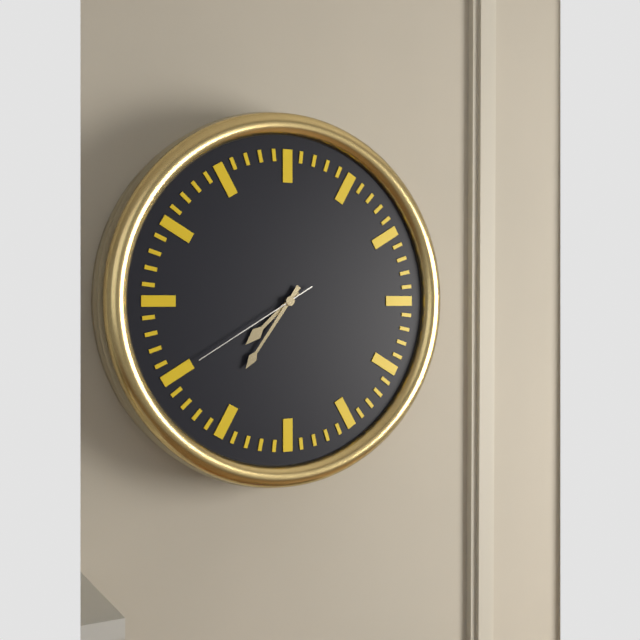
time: 7.36.40
